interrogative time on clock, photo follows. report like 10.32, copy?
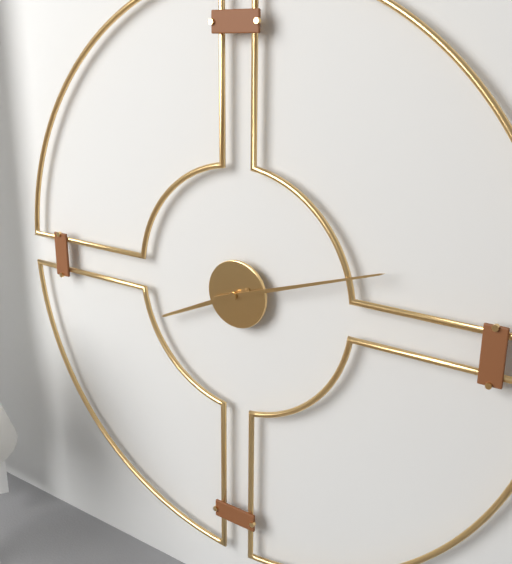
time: 8.12
